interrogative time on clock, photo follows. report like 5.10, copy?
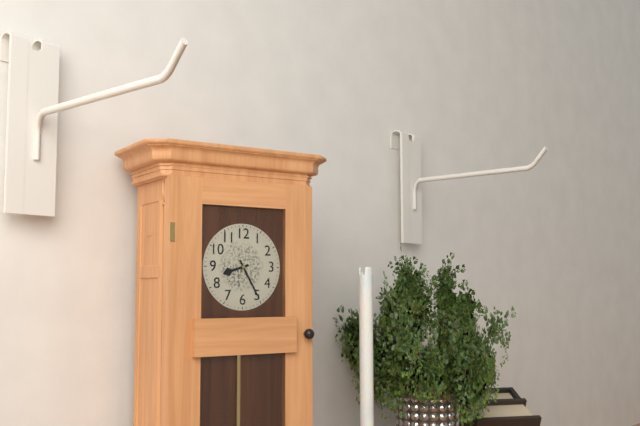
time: 8.25
